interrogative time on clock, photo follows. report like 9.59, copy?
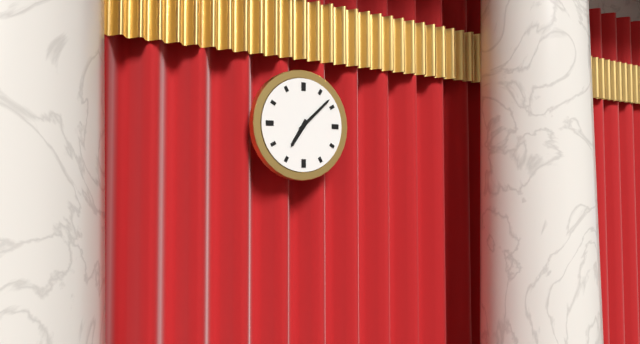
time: 7.08
